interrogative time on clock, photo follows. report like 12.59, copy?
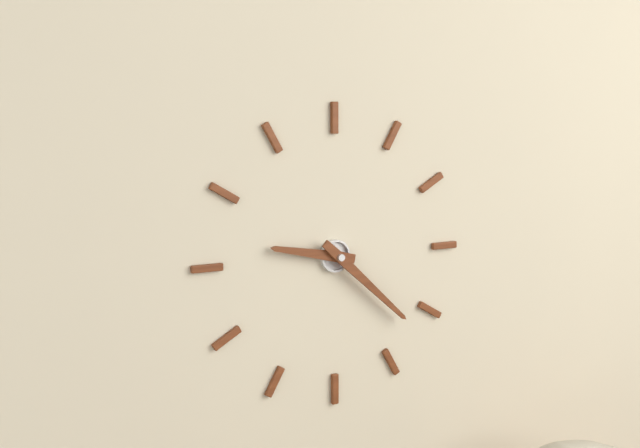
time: 9.22
